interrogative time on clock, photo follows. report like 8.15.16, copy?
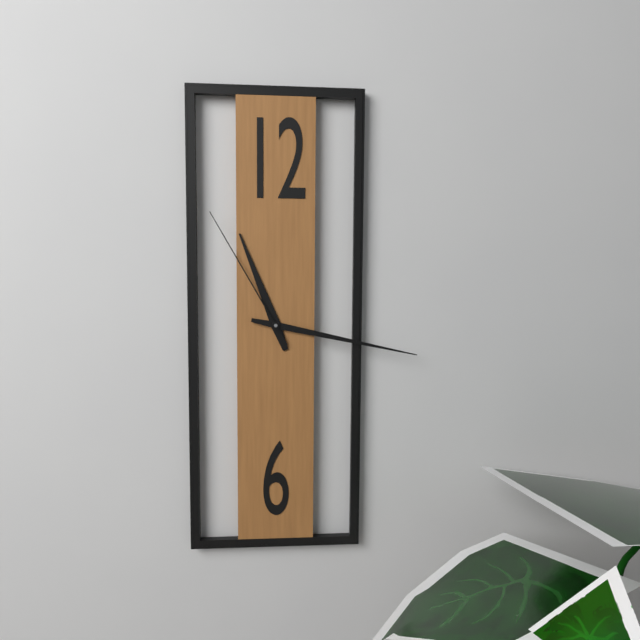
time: 11.17.55
